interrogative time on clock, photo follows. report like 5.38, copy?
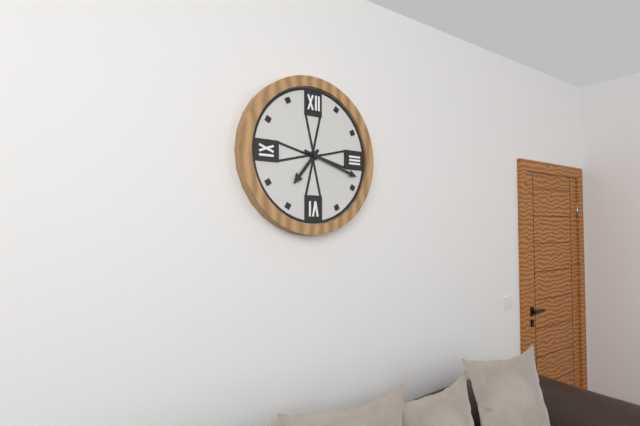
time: 7.18
